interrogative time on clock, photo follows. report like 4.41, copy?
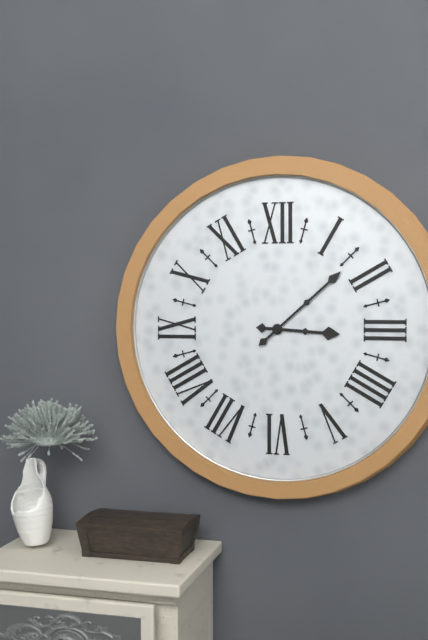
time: 3.08
